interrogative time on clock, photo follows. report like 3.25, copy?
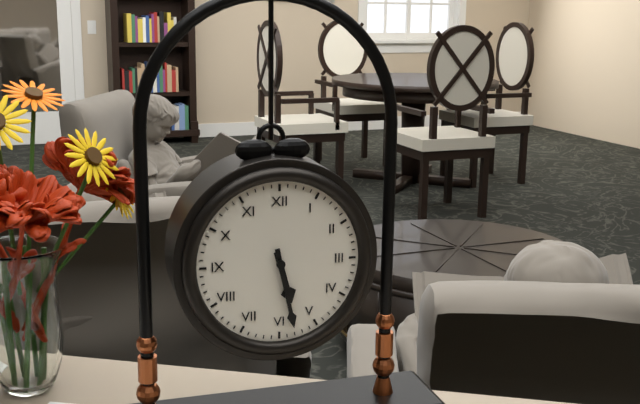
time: 5.28
